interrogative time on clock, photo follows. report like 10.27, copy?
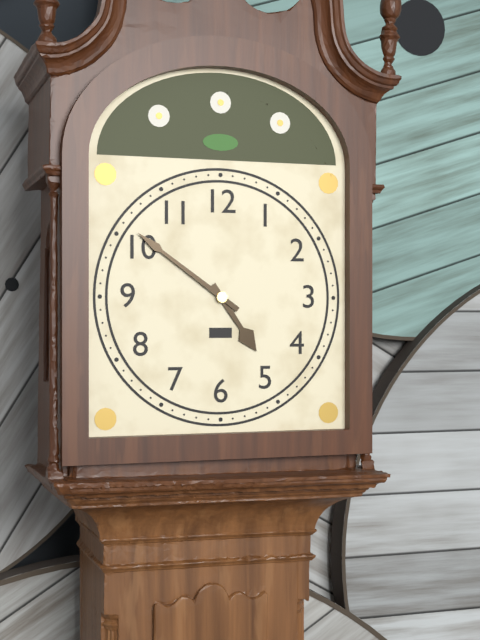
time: 4.51
